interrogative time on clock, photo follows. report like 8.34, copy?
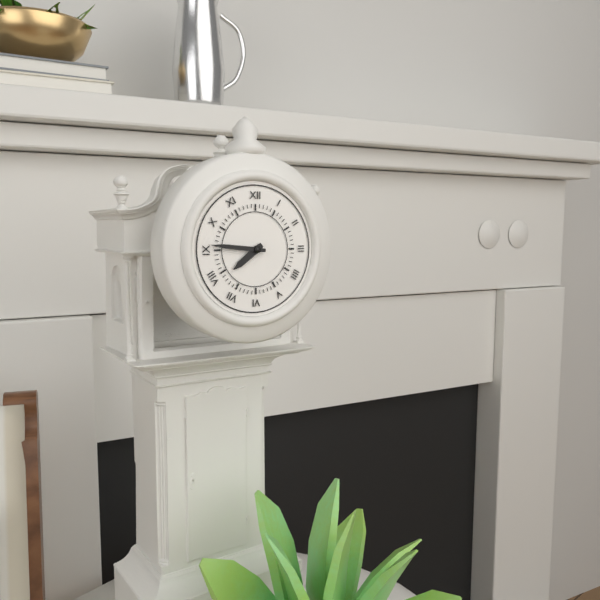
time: 7.46
